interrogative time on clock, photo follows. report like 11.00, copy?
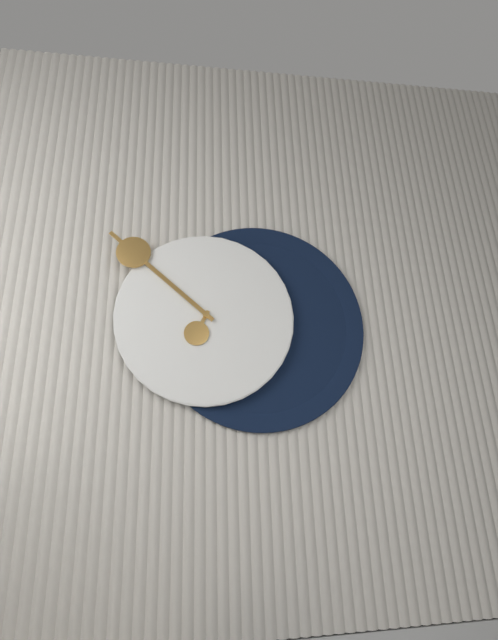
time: 6.52
